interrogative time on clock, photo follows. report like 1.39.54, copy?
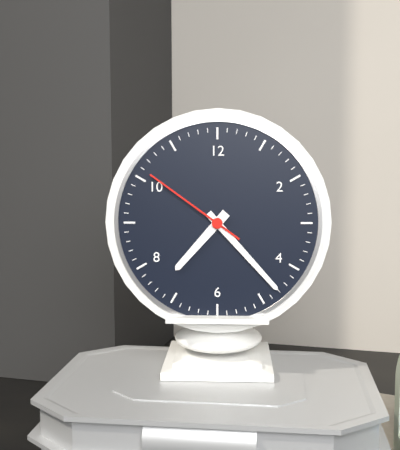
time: 7.23.51
